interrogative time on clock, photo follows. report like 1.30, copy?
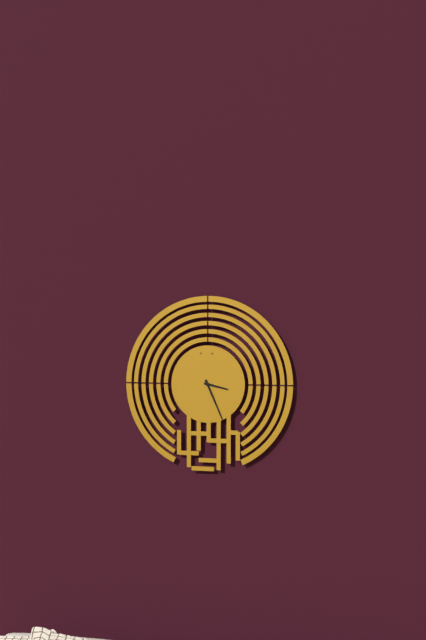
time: 3.26
